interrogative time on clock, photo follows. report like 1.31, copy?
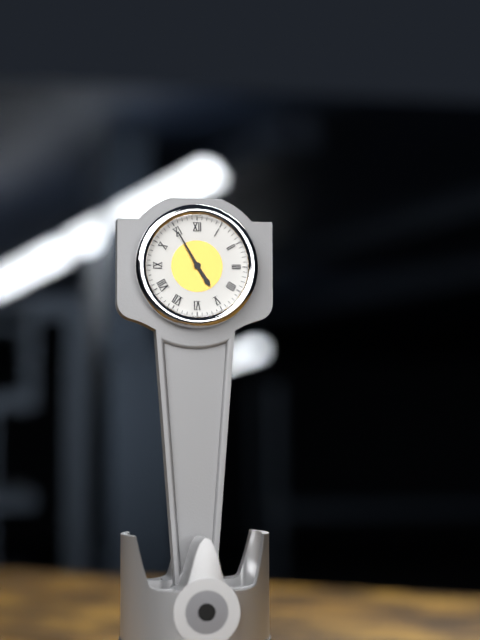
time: 4.55
